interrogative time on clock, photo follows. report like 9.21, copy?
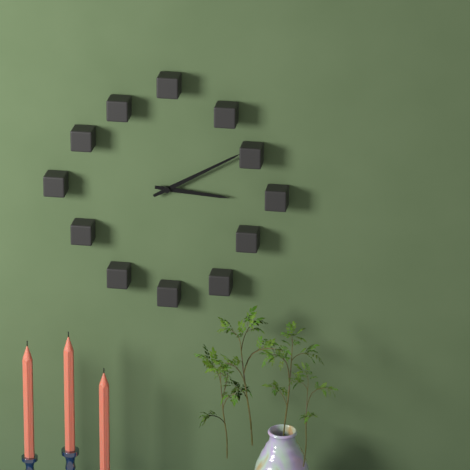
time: 3.10
